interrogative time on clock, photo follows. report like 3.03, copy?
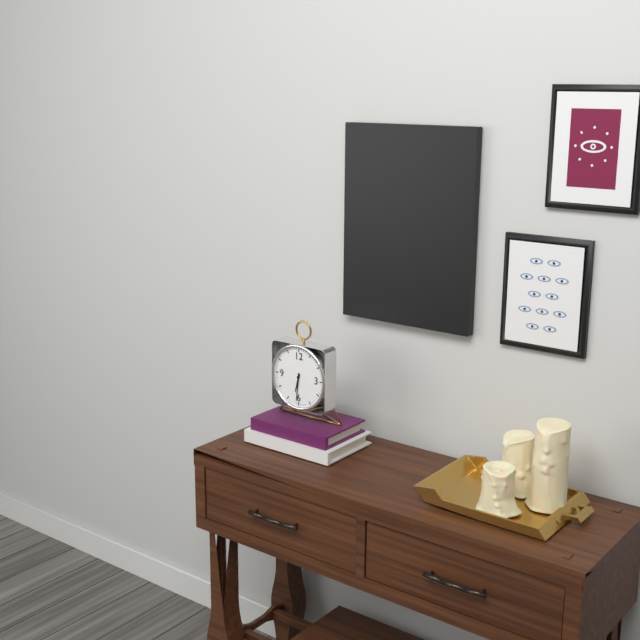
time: 6.31
